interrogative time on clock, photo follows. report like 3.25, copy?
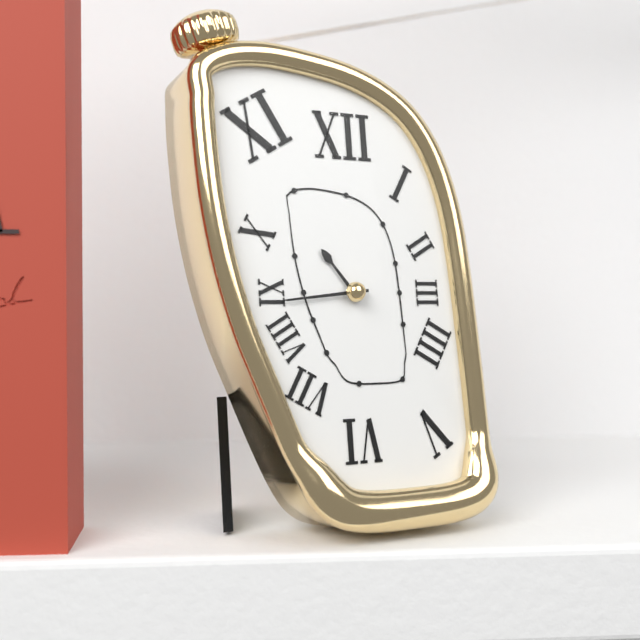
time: 10.44
